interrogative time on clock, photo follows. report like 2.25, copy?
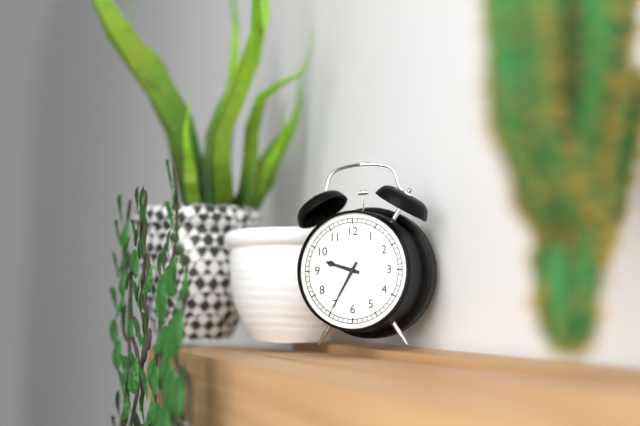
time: 9.35
